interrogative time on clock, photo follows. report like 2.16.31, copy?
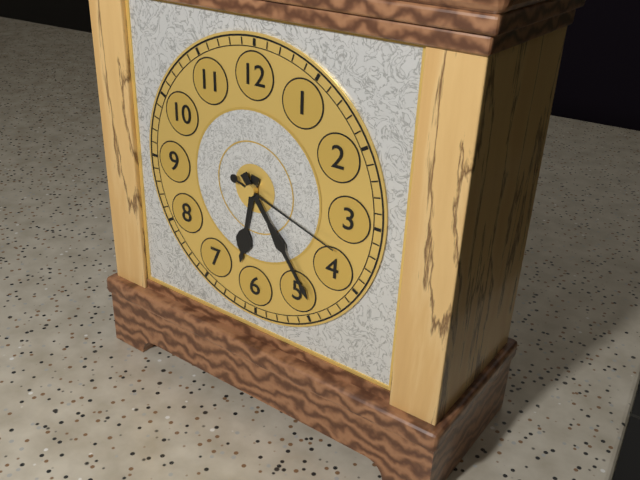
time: 6.24.18
